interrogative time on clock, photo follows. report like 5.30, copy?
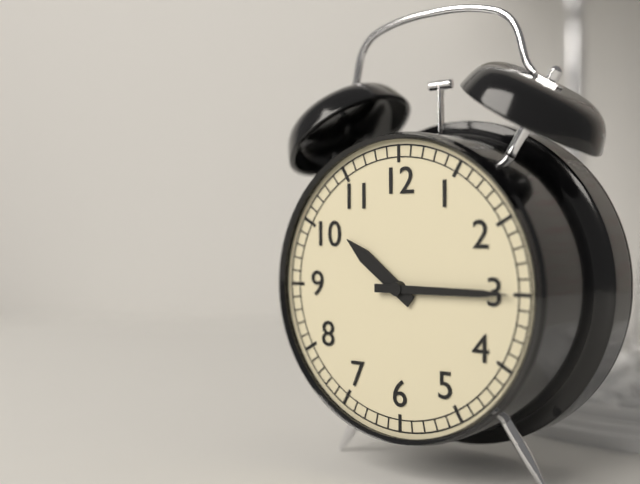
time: 10.15
